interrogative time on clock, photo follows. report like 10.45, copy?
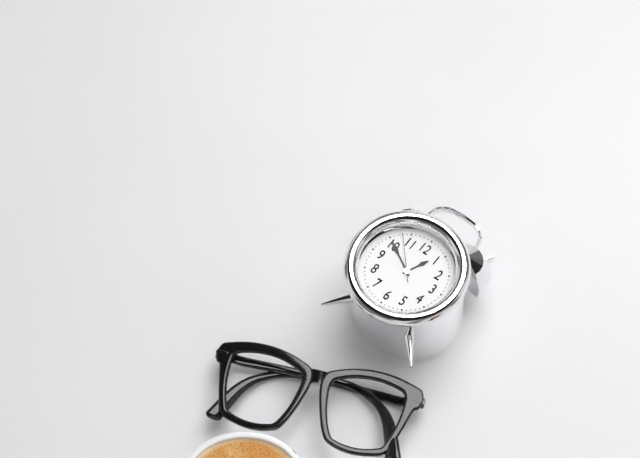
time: 12.50
